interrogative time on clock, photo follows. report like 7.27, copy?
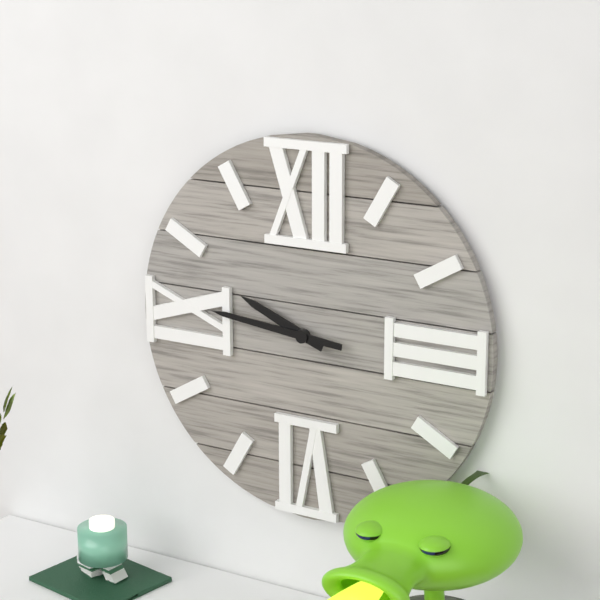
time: 9.46
